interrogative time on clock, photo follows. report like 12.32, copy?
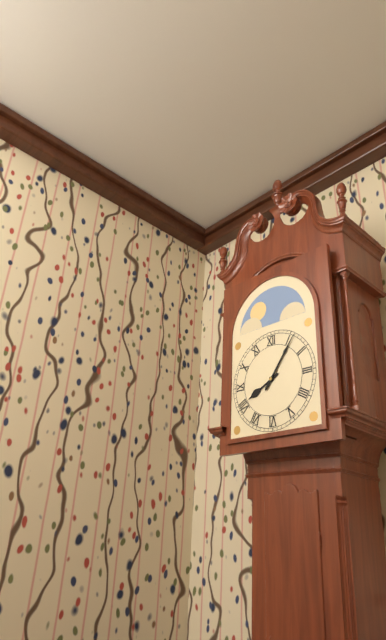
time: 8.06
